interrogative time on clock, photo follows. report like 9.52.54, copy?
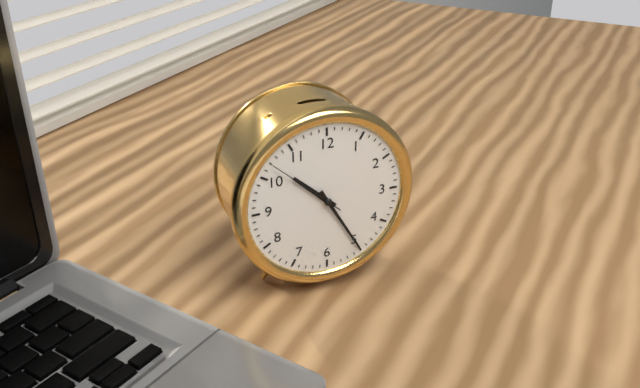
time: 10.25.52
